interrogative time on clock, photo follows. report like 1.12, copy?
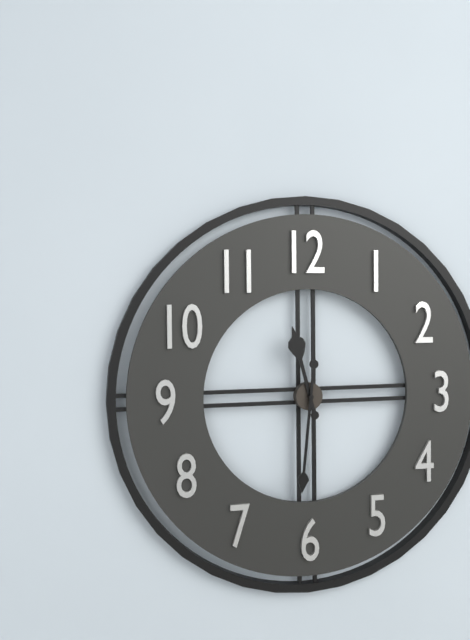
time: 11.31
